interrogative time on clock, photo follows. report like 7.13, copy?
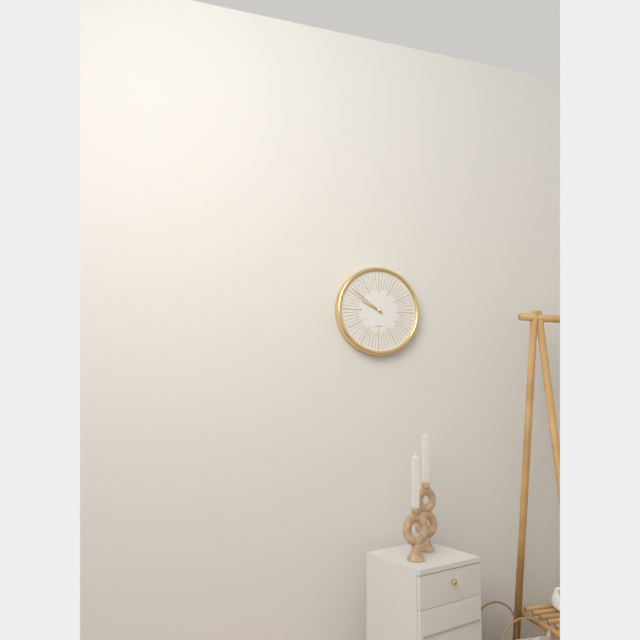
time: 9.51
